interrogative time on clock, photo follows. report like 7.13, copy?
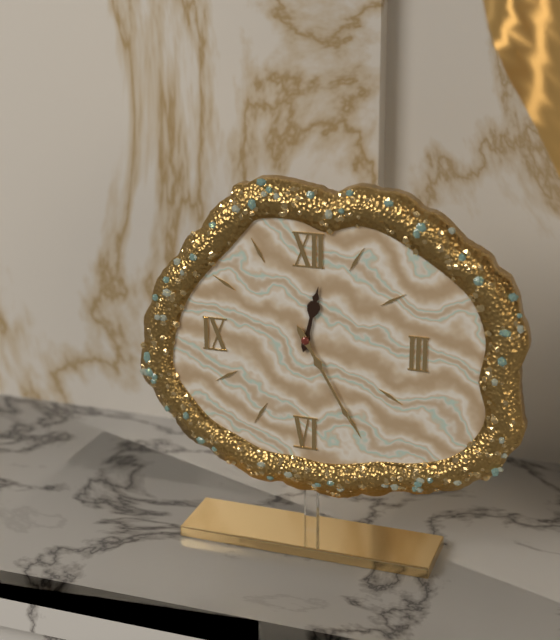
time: 12.25
